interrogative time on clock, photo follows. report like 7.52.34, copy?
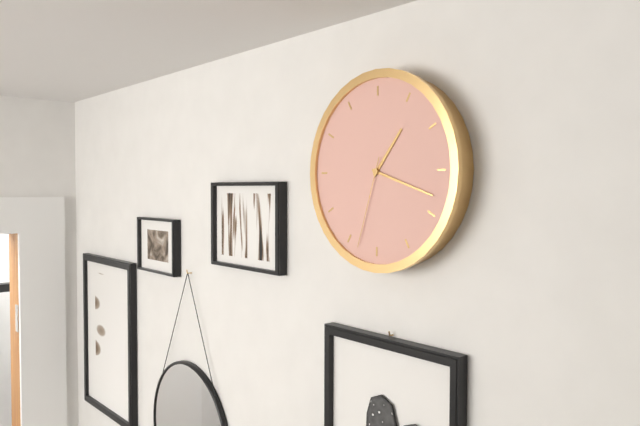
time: 1.18.33
